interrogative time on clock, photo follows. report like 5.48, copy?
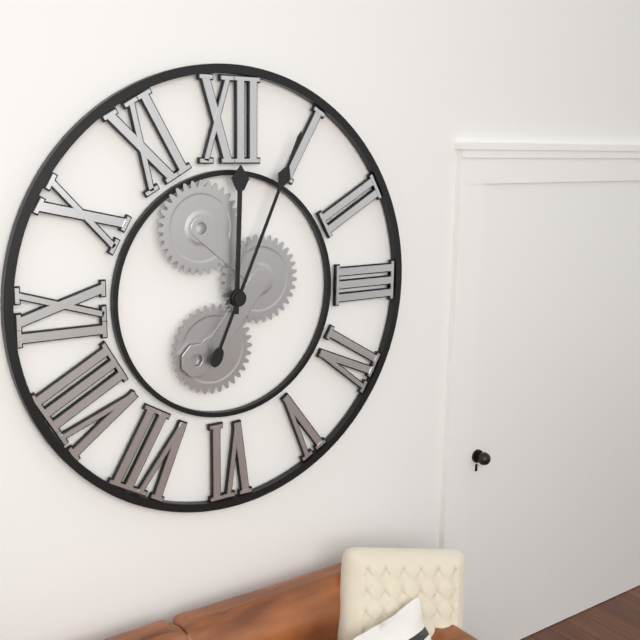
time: 12.04
